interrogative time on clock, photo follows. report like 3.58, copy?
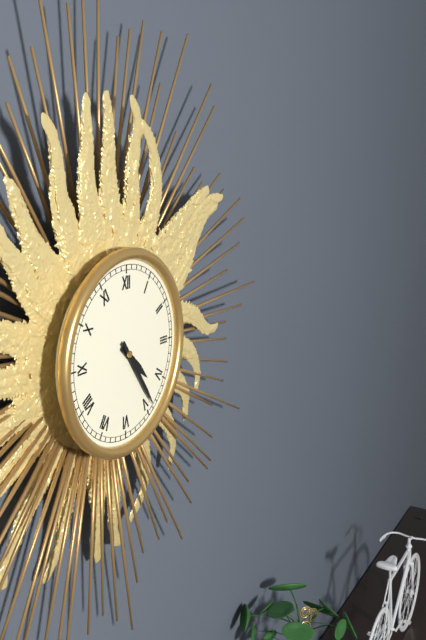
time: 4.24
